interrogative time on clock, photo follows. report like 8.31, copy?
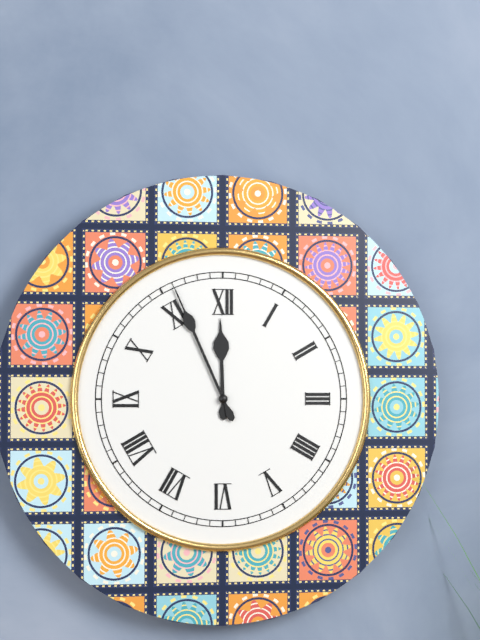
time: 11.56
